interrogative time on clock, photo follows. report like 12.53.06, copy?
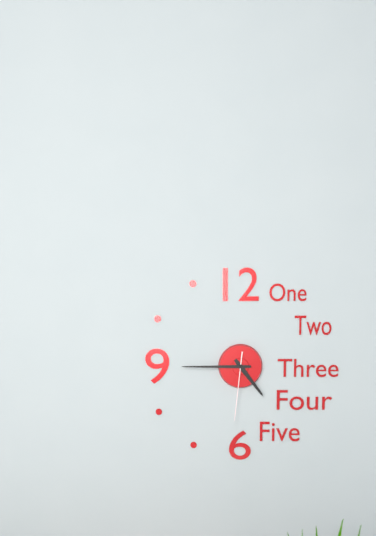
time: 4.45.31
